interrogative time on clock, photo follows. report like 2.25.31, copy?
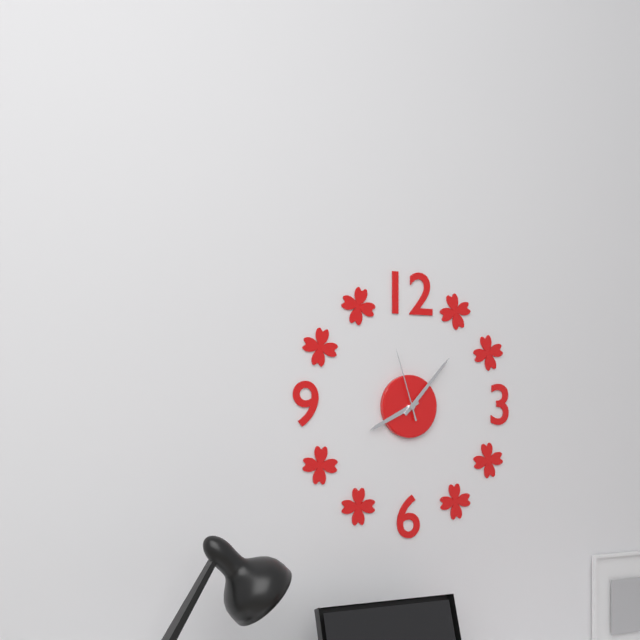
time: 8.07.57
